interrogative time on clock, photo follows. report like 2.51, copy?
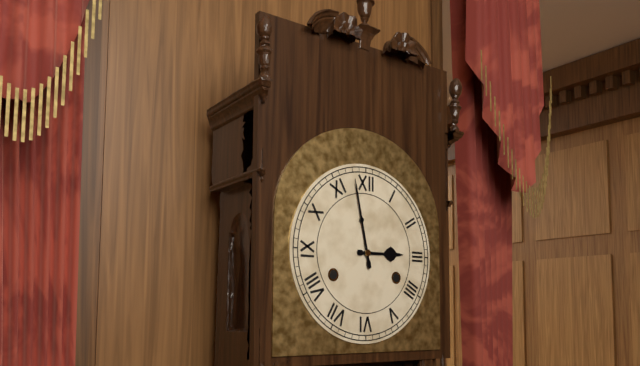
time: 2.58
